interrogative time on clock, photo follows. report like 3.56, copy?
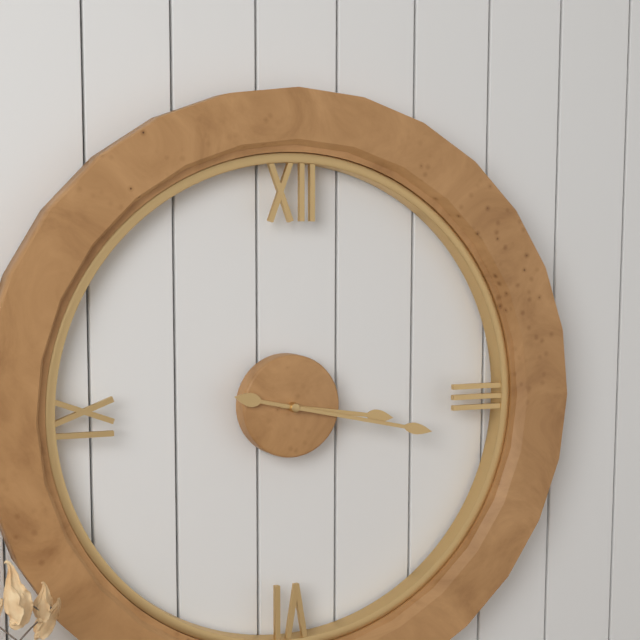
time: 3.17
